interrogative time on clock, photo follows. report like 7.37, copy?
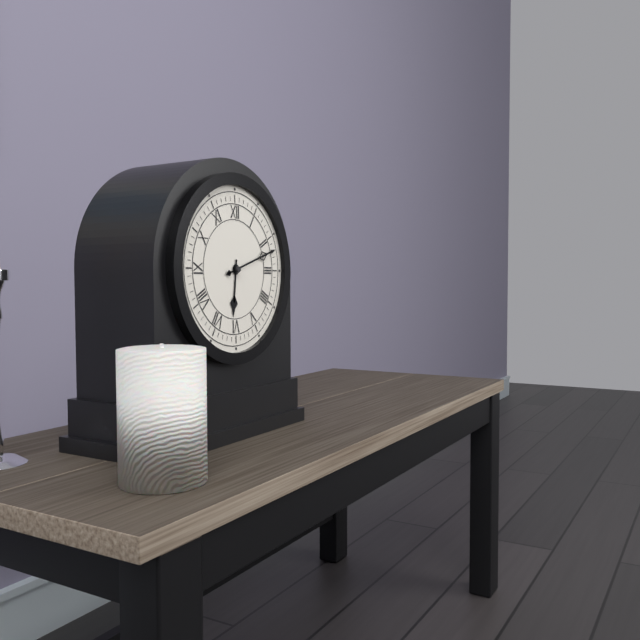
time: 6.12
